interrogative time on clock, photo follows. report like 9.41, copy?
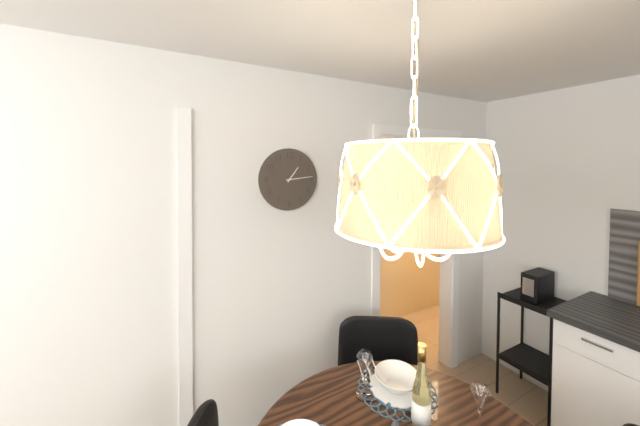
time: 1.14
